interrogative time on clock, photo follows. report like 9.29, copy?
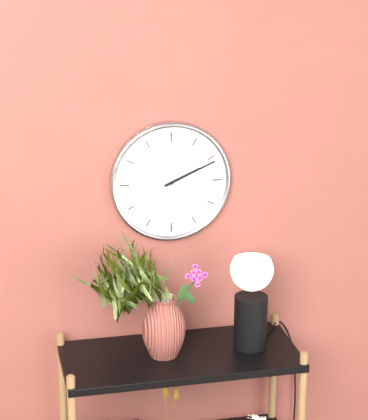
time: 2.11
